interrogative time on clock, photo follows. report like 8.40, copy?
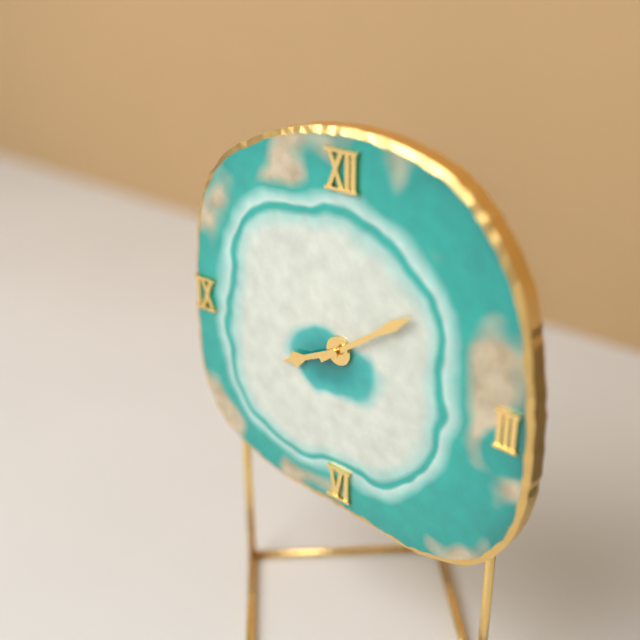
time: 8.09
